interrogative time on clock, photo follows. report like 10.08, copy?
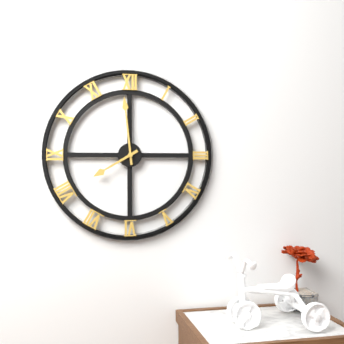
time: 7.59
